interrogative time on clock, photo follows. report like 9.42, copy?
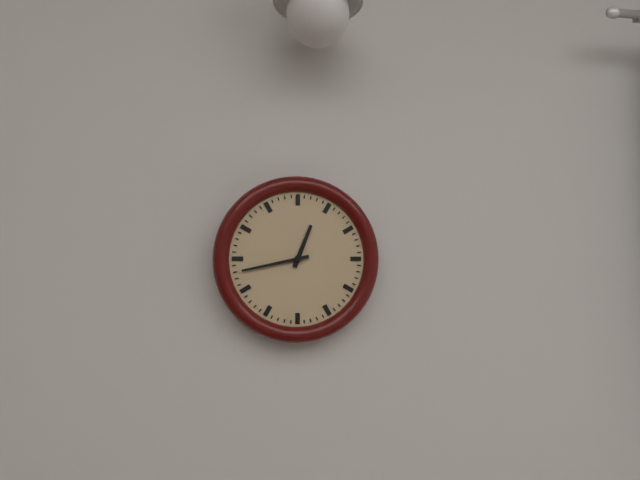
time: 12.43
